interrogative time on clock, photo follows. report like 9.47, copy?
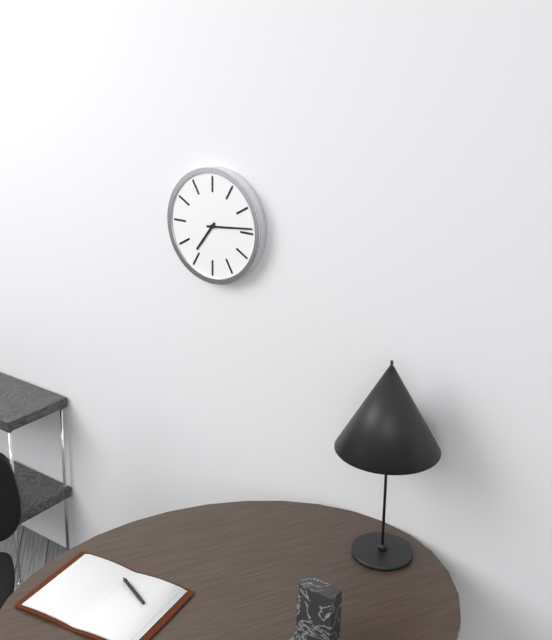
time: 7.14
